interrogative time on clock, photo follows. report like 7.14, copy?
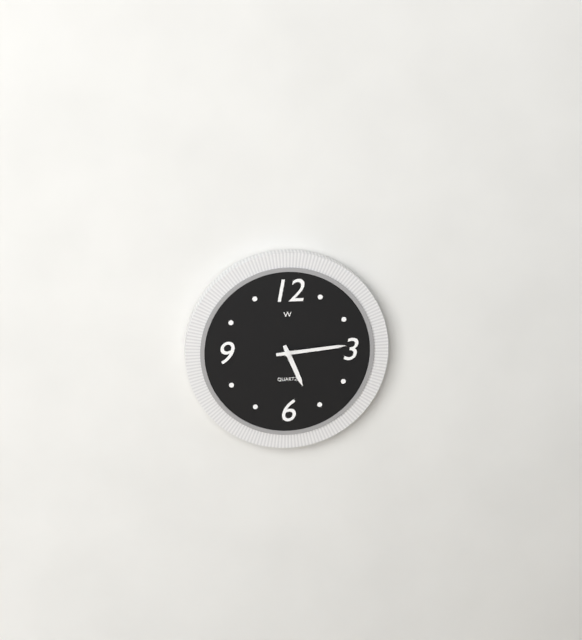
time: 5.14
